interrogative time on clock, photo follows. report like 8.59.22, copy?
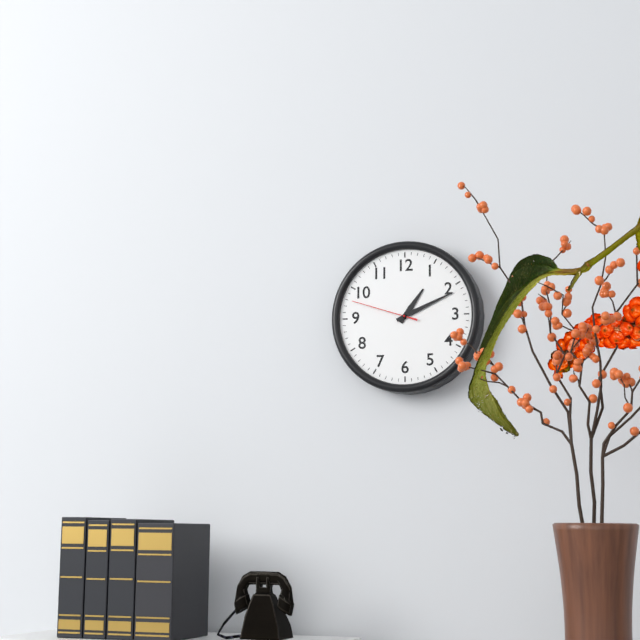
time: 1.11.48
